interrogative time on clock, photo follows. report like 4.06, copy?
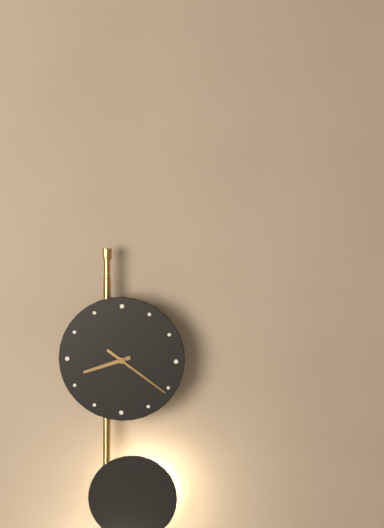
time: 8.21
